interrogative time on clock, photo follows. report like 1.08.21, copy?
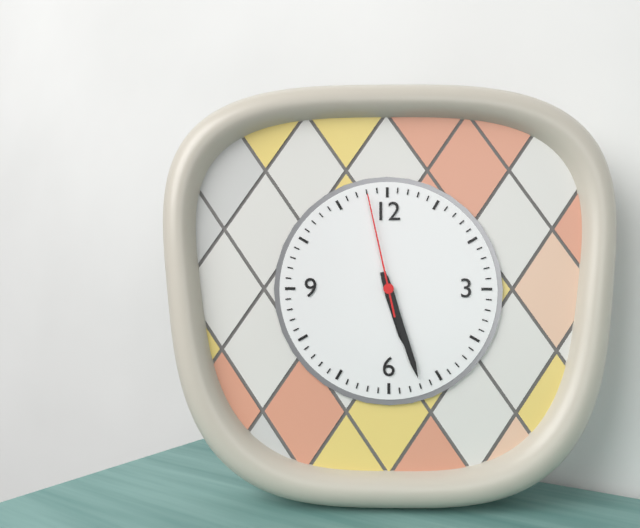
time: 5.27.58
